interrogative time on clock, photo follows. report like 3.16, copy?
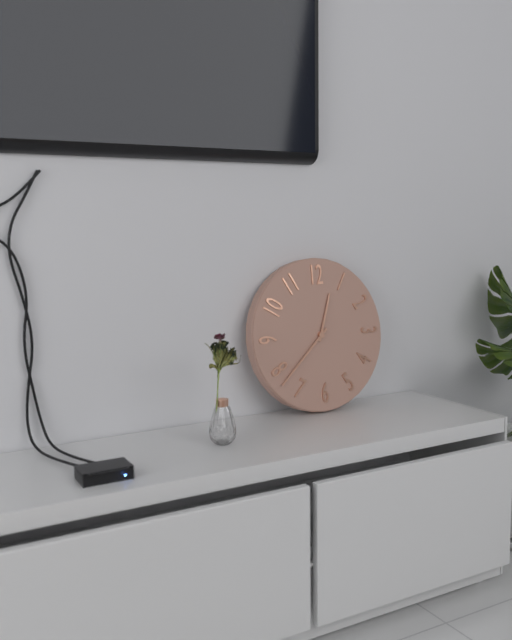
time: 12.38
